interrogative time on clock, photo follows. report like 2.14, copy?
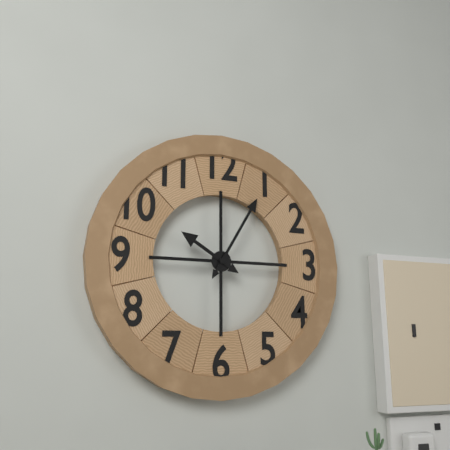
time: 10.05
